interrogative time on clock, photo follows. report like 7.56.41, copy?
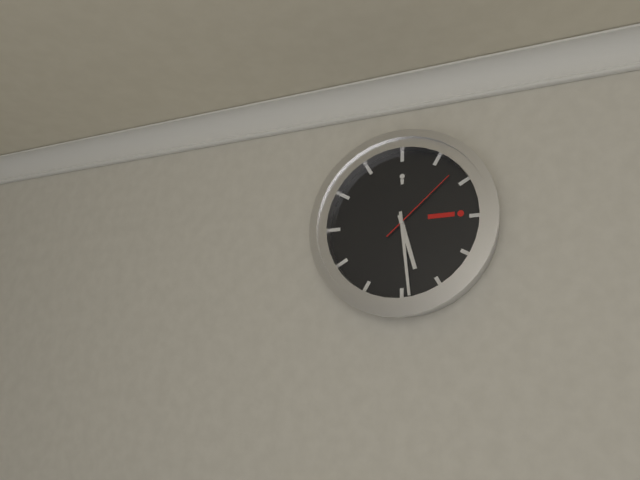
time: 5.29.08
